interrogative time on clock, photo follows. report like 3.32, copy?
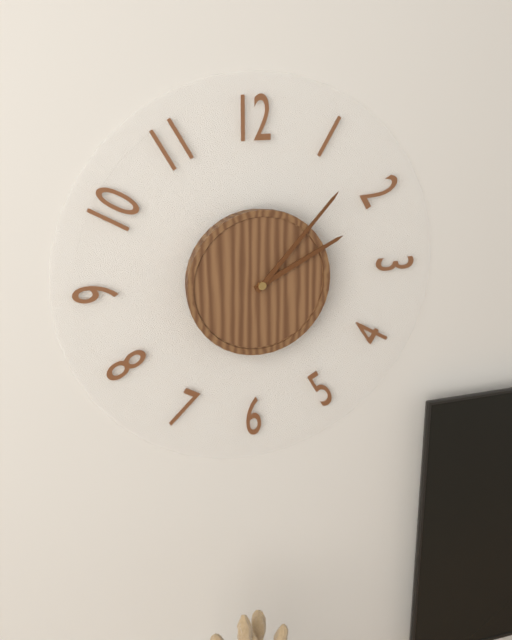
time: 2.07
